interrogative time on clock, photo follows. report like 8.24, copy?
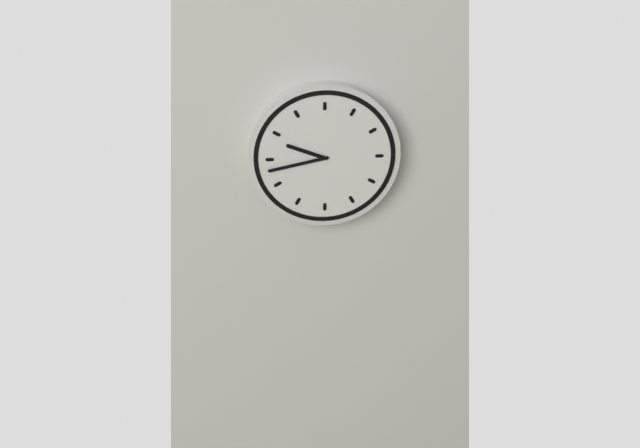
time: 9.43
